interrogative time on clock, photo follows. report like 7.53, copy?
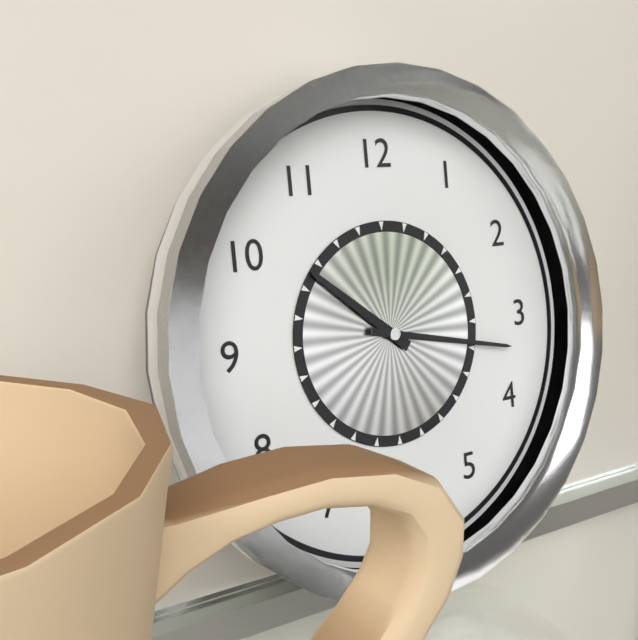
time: 10.17
